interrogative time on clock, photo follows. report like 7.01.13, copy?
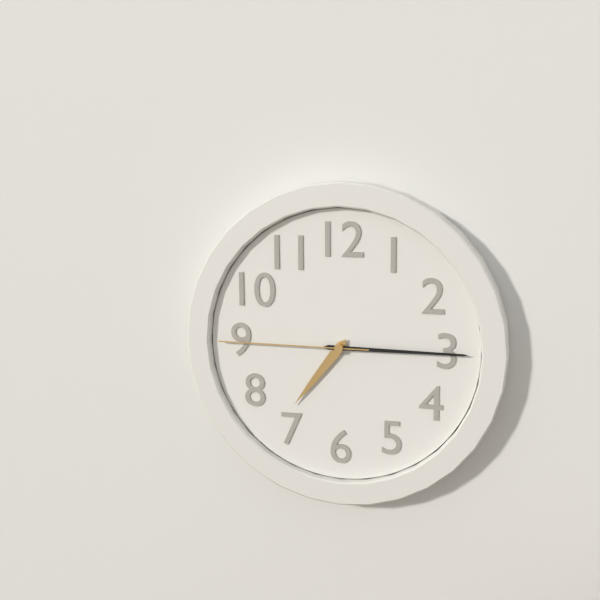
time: 7.15.45
